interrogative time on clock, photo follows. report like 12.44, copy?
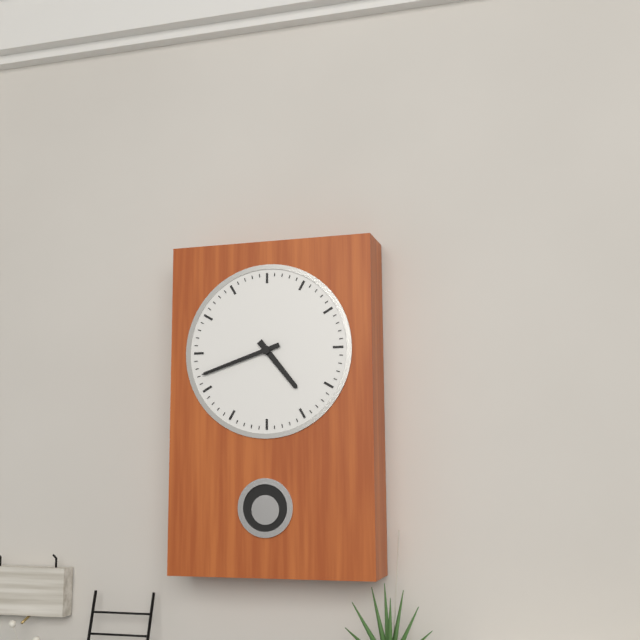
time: 4.42
